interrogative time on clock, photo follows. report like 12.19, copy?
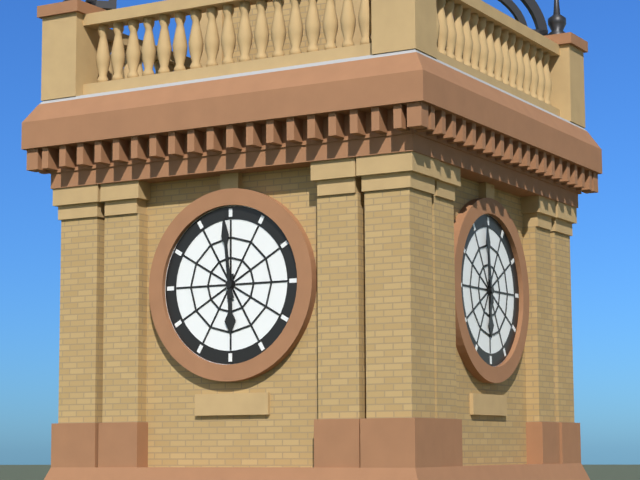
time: 5.59
